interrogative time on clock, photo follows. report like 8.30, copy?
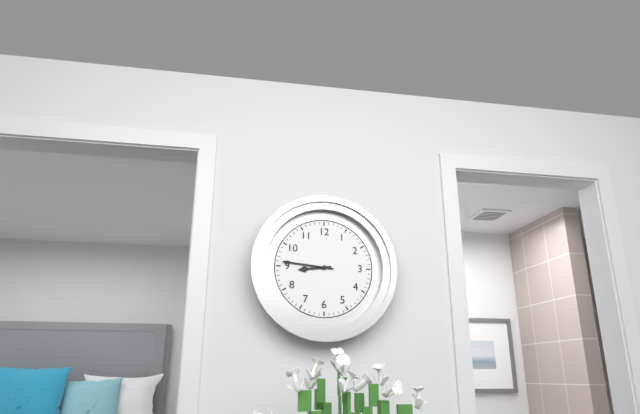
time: 8.46
